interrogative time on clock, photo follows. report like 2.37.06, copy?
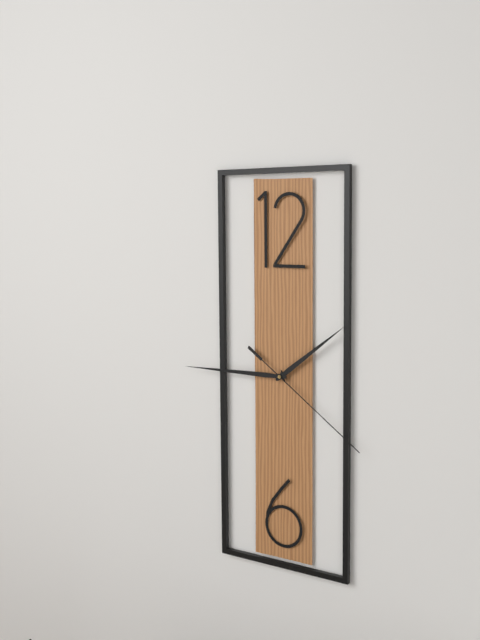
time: 1.45.21
